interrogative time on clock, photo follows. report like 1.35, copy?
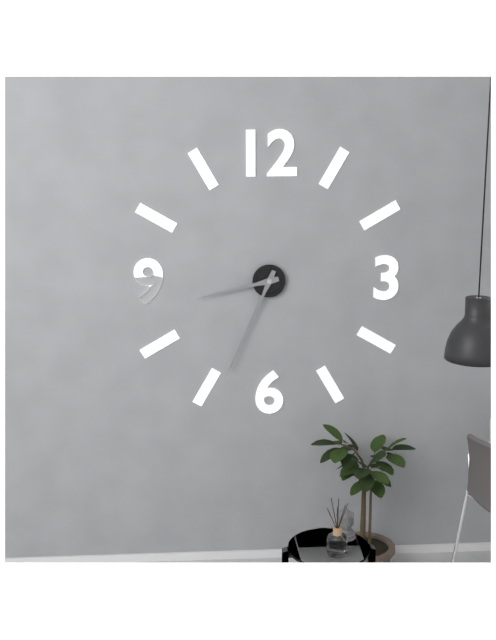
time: 8.34
